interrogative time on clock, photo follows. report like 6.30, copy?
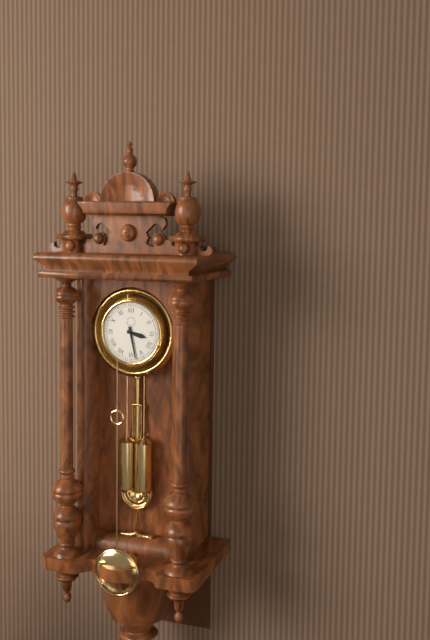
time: 3.28
